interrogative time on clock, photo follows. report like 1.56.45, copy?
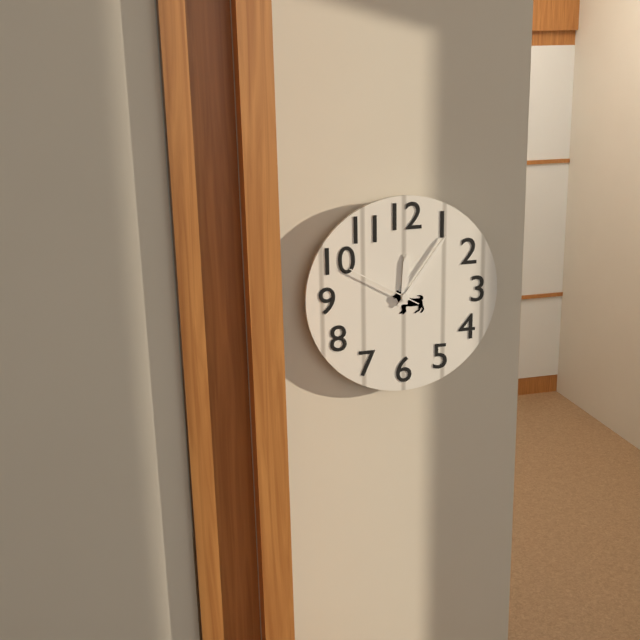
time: 12.06.50
